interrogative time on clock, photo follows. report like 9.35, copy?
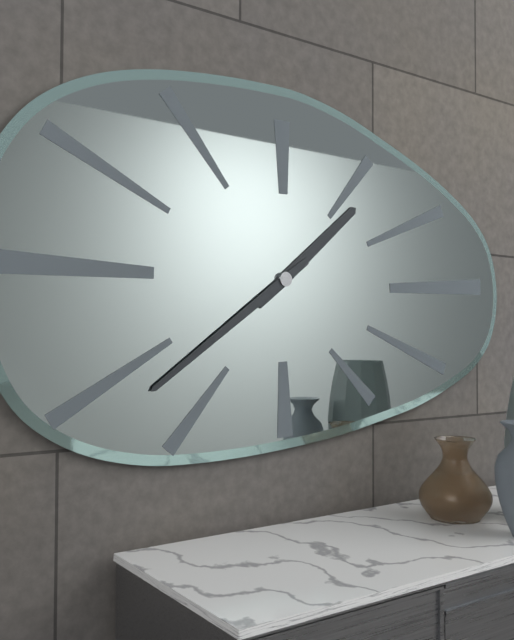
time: 1.39
